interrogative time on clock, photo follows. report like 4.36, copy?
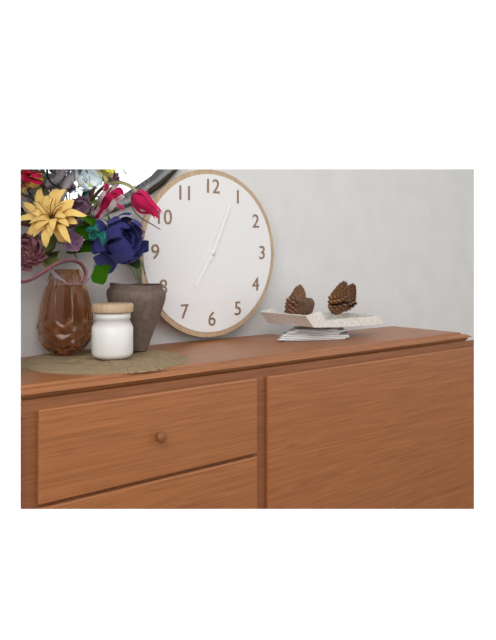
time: 7.04
